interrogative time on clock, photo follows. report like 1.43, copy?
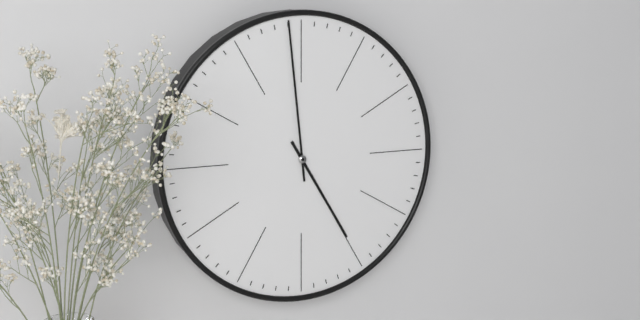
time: 4.59
